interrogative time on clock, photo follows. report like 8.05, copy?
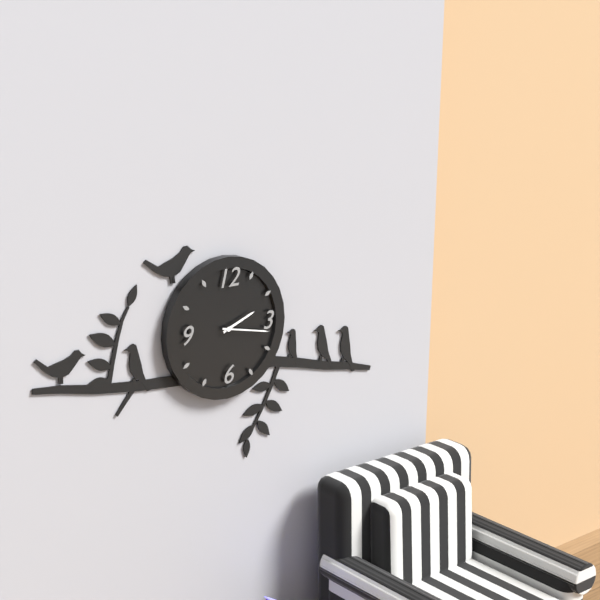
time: 2.17
